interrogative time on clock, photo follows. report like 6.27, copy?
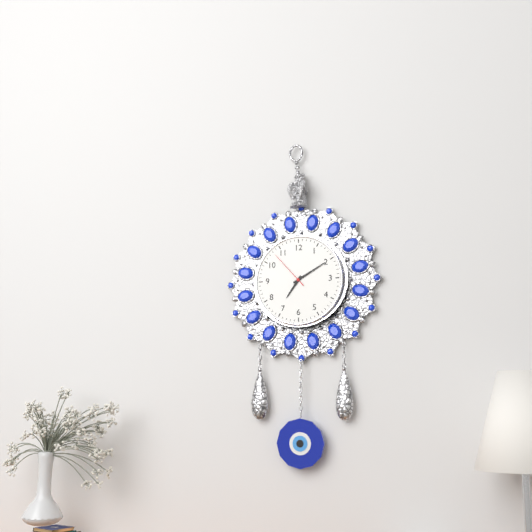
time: 7.10
